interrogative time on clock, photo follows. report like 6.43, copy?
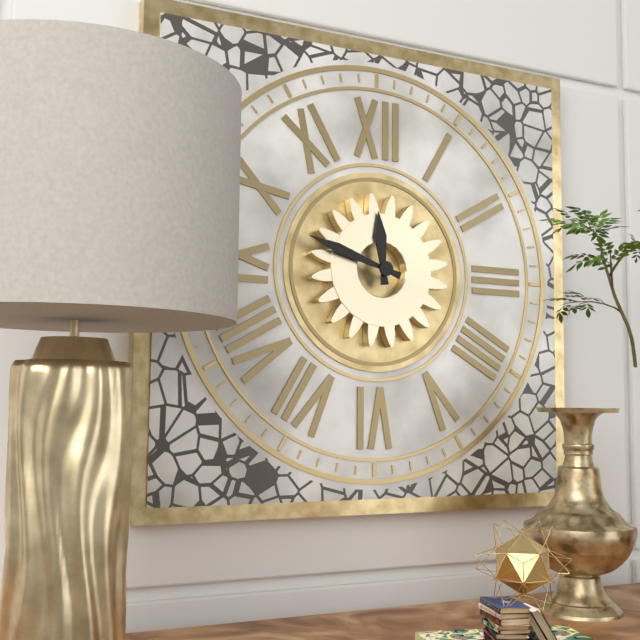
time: 11.48
